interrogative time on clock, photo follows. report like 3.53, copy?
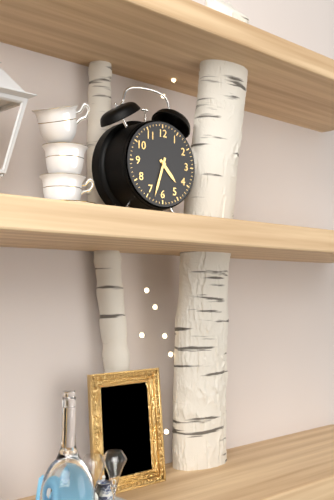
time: 4.33
